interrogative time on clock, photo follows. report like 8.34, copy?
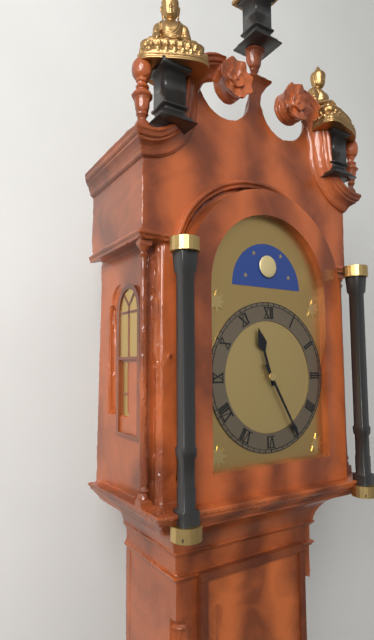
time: 11.25
